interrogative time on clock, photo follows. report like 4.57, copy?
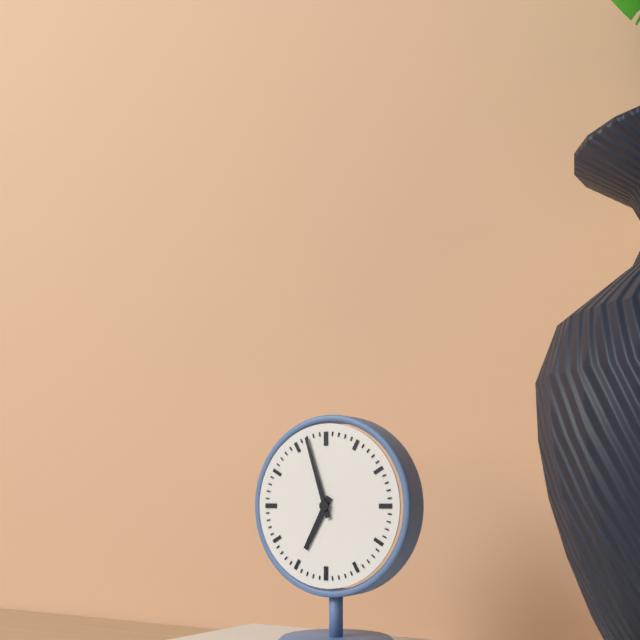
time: 6.57
